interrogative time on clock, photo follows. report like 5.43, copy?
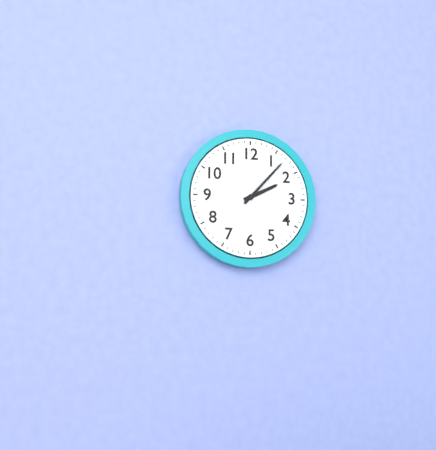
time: 2.07
